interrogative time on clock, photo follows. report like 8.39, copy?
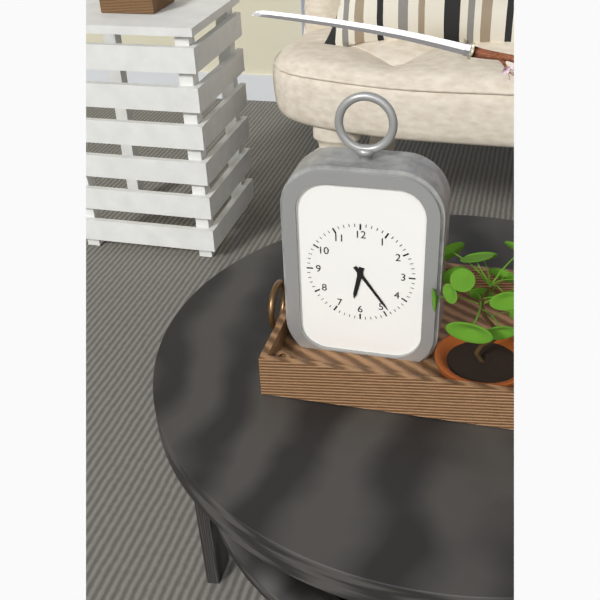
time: 6.24
